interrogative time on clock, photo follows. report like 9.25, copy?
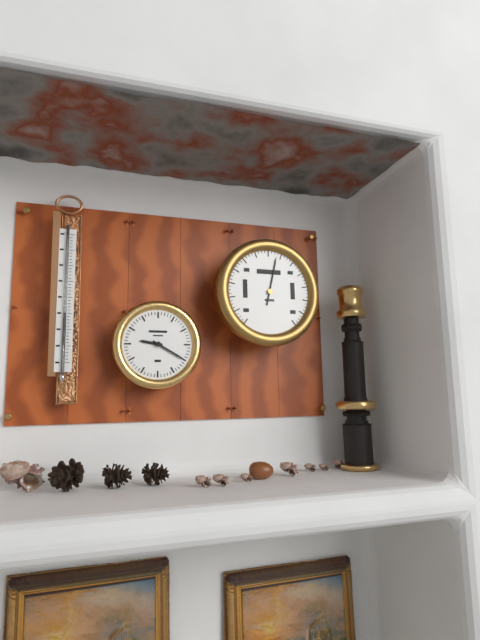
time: 9.20
